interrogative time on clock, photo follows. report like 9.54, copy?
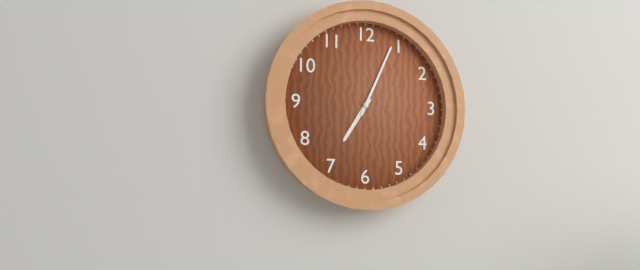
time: 7.04
